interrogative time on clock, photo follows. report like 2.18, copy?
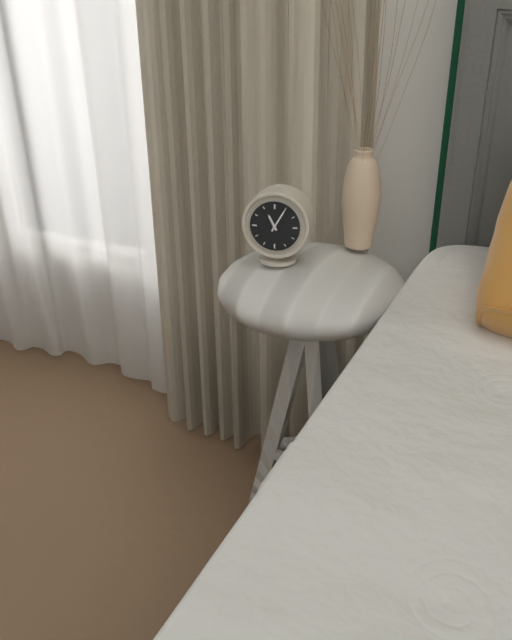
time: 11.05
